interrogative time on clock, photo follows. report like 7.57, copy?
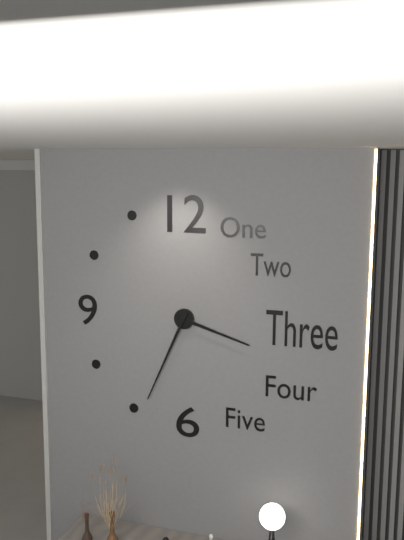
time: 3.34
